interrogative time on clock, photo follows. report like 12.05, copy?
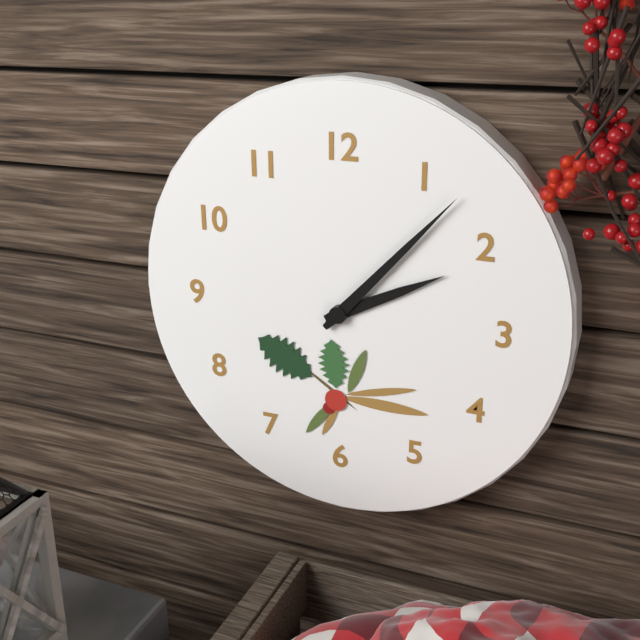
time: 2.07
